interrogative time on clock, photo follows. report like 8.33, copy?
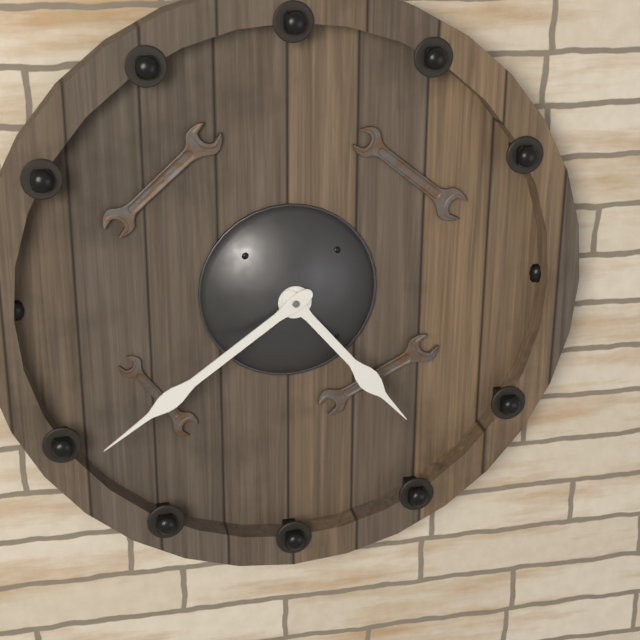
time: 4.39
